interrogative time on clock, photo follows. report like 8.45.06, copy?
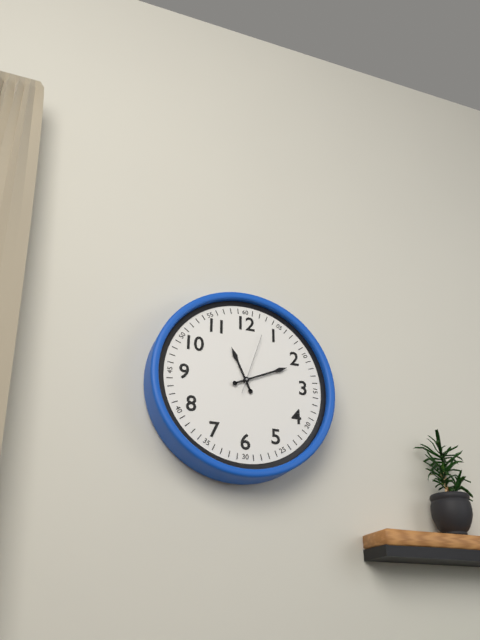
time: 11.11.03
